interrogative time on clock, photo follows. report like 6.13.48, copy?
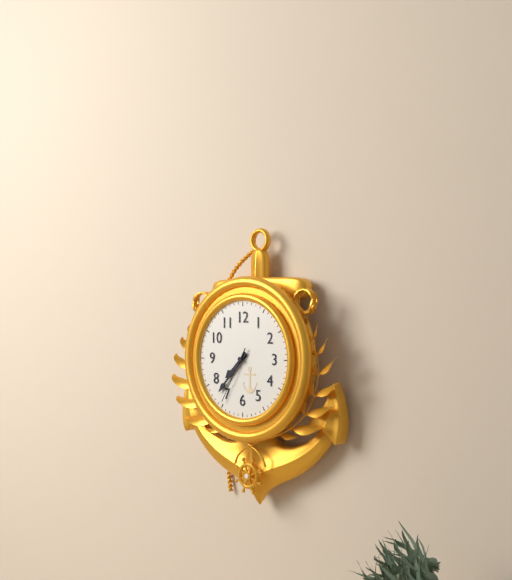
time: 7.37.35
